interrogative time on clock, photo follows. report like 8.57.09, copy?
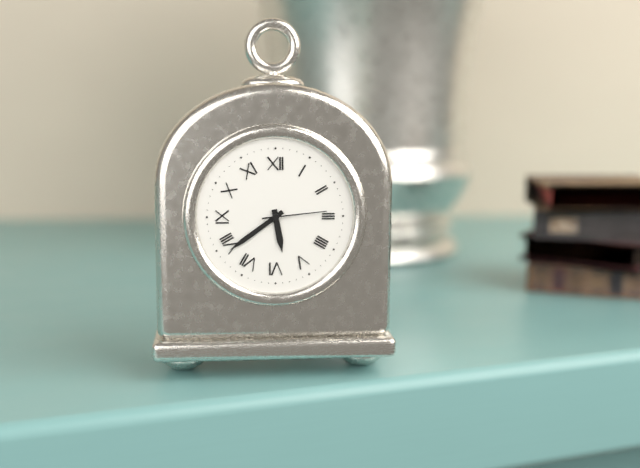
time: 5.39.14
